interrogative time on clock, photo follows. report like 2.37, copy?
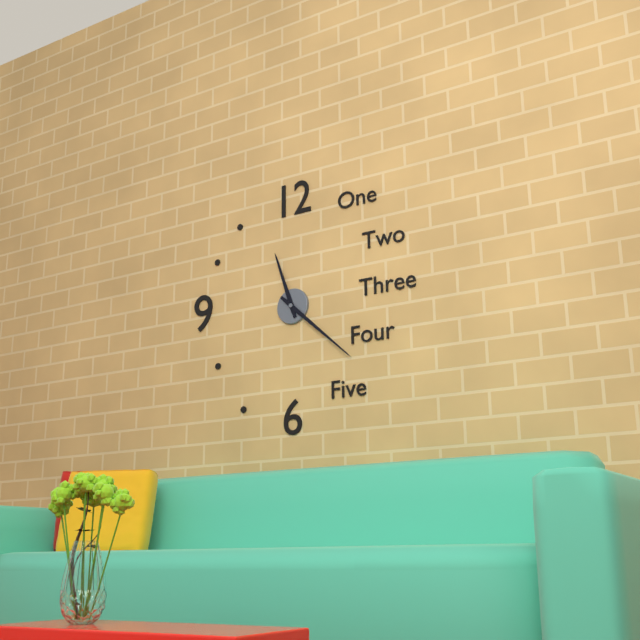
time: 11.22
